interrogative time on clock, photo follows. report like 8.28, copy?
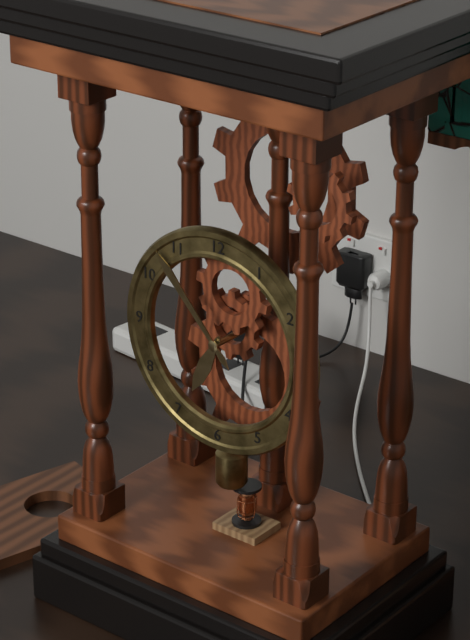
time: 6.53
